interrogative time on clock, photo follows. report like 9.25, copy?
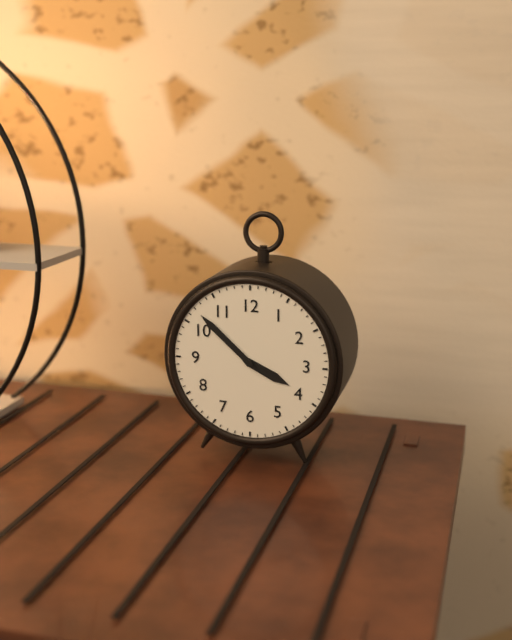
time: 3.52
